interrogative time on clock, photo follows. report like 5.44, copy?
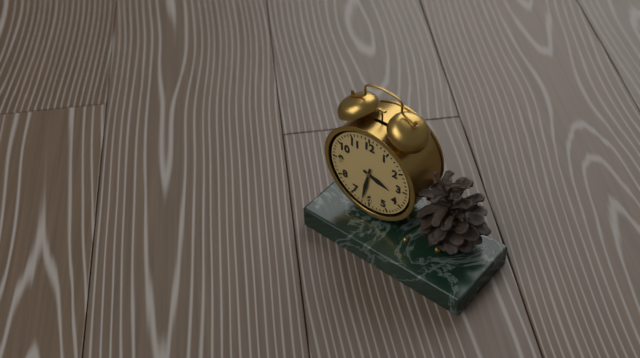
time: 3.32
